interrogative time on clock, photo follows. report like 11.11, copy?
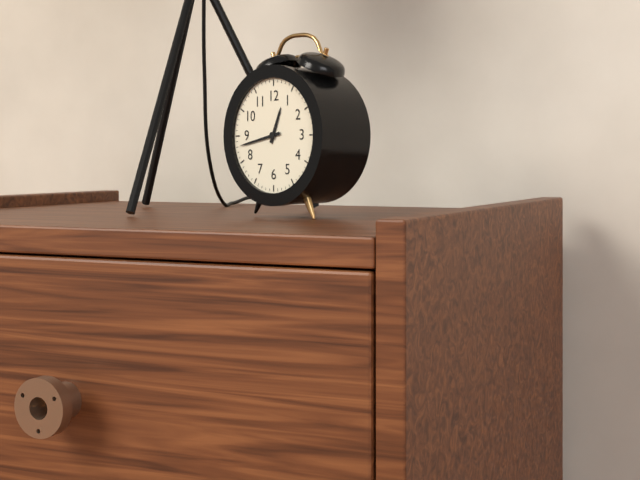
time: 12.43
